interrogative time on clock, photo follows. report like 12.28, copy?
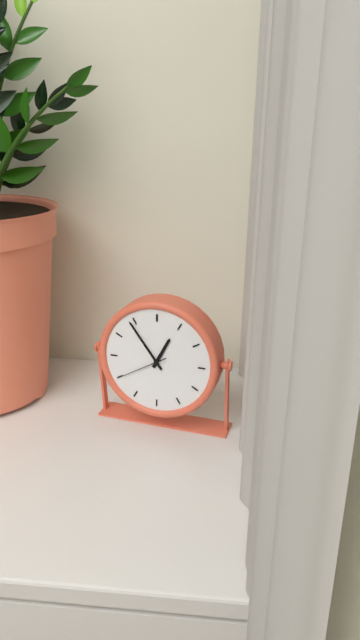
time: 12.54
